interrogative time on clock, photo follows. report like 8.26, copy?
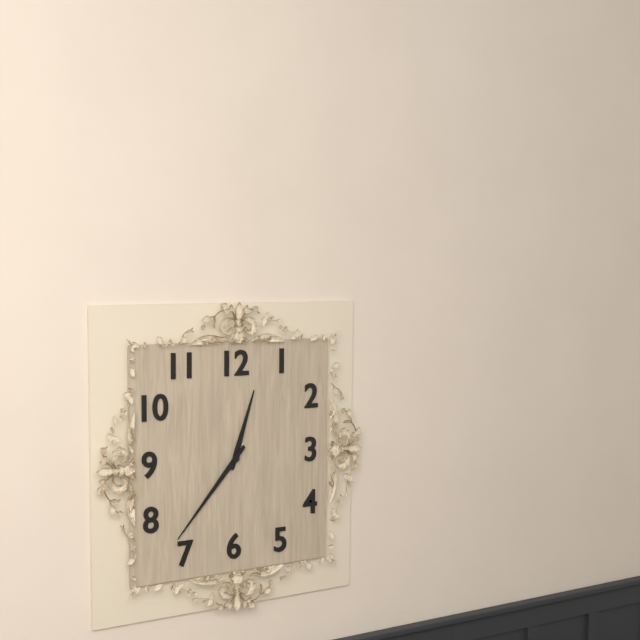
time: 12.37
